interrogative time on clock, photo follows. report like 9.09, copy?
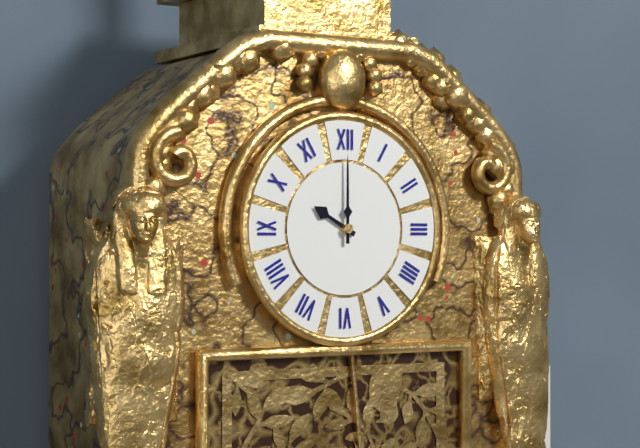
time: 10.00
